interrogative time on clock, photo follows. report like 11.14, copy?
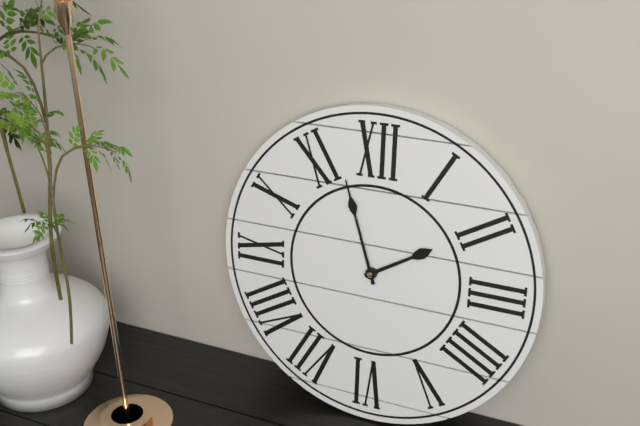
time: 1.57
